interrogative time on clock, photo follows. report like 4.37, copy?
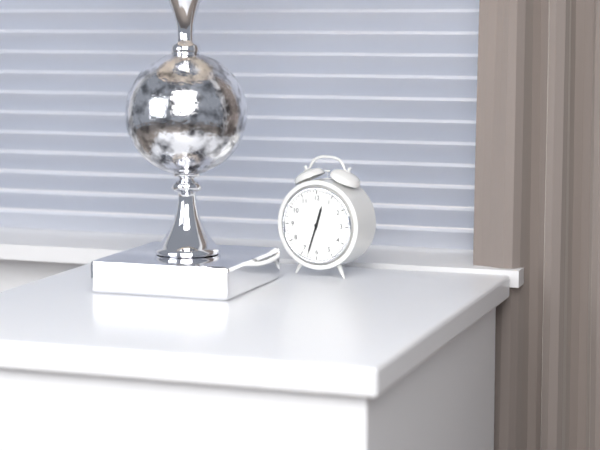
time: 12.33
